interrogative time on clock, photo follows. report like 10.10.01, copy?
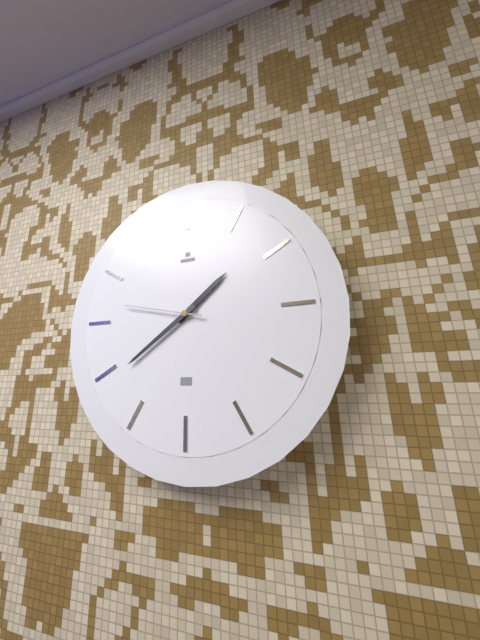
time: 1.39.47
